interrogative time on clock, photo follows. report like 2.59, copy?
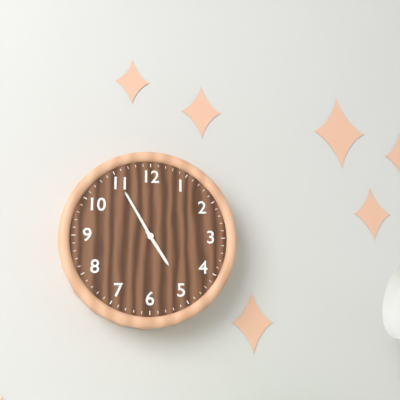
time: 4.55
